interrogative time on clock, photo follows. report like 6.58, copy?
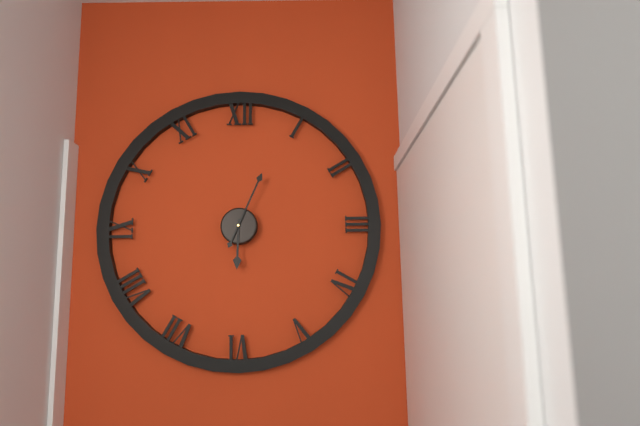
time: 6.04
